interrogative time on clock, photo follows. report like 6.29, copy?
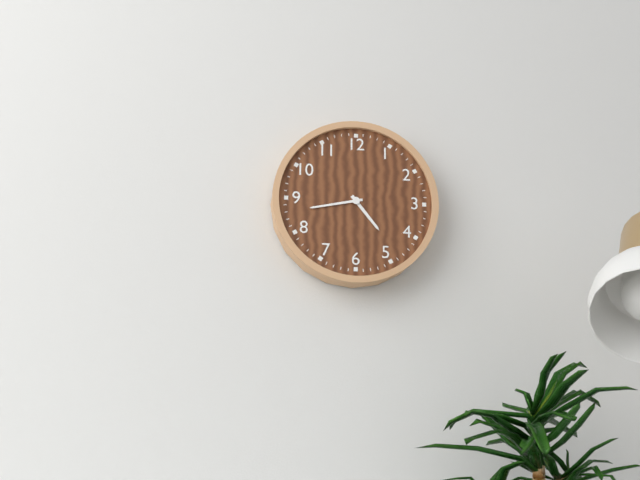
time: 4.43
